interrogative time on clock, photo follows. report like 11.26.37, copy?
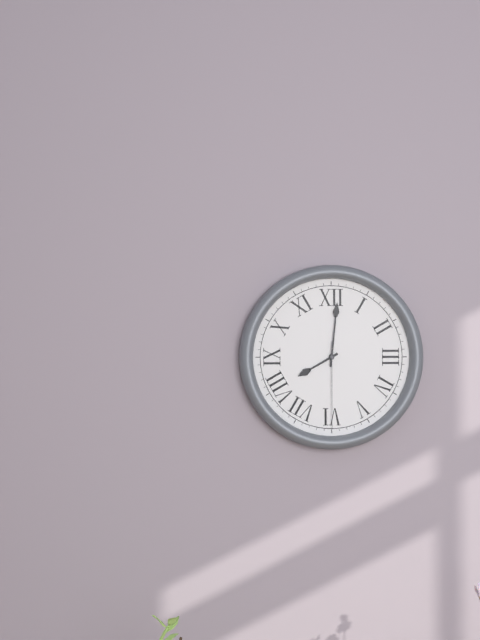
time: 8.01.30
